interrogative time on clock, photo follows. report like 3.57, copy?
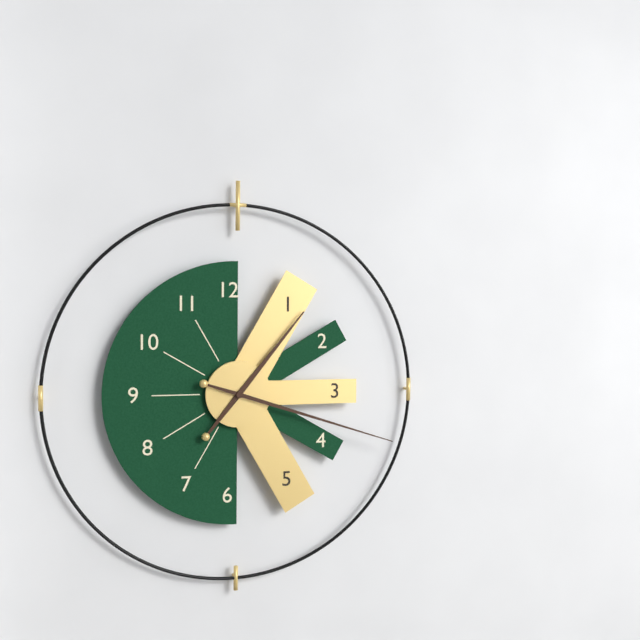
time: 1.18
